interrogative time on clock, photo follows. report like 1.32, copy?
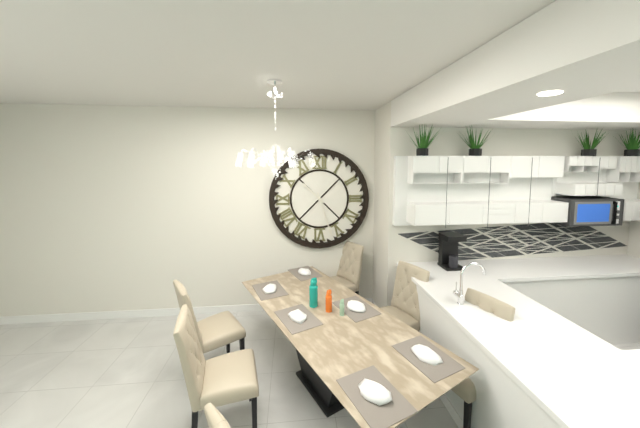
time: 10.27
